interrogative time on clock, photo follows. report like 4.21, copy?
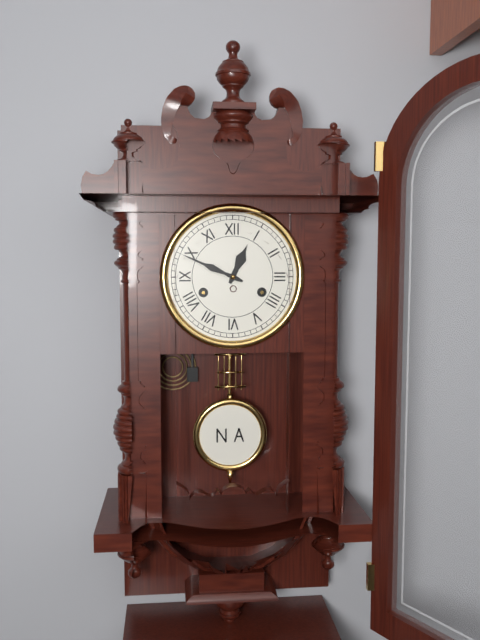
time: 12.49
